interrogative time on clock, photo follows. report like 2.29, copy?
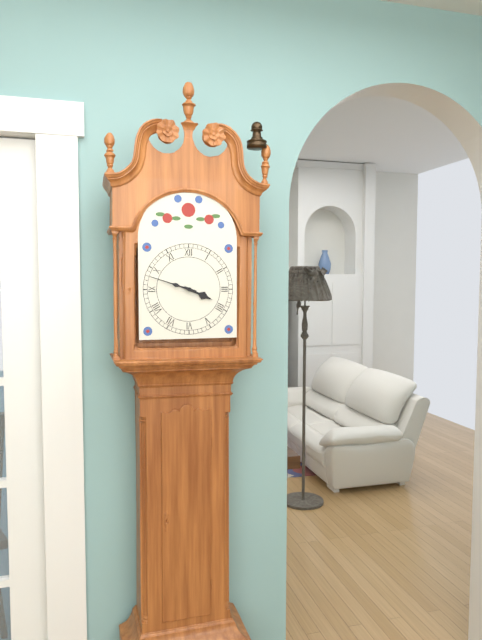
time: 3.48
